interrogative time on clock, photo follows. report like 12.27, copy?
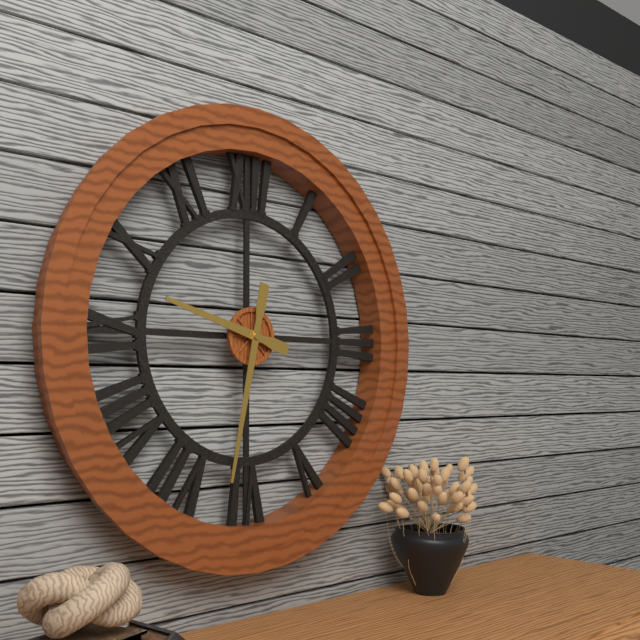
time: 9.32
